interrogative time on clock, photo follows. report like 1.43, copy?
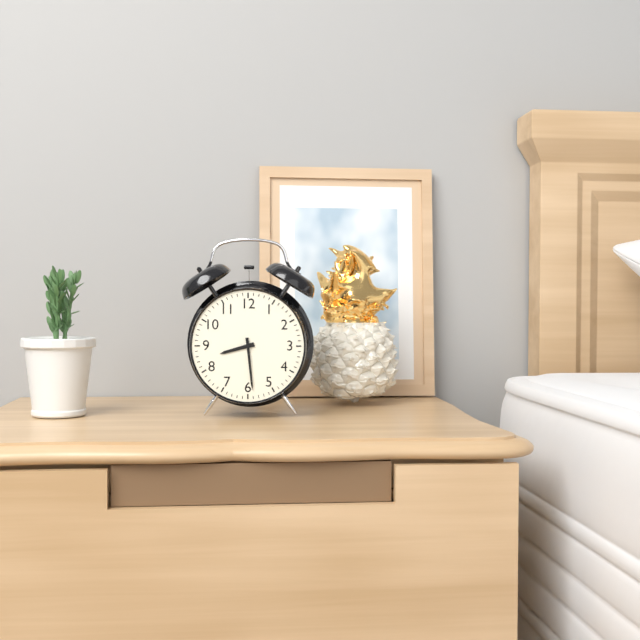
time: 8.29
